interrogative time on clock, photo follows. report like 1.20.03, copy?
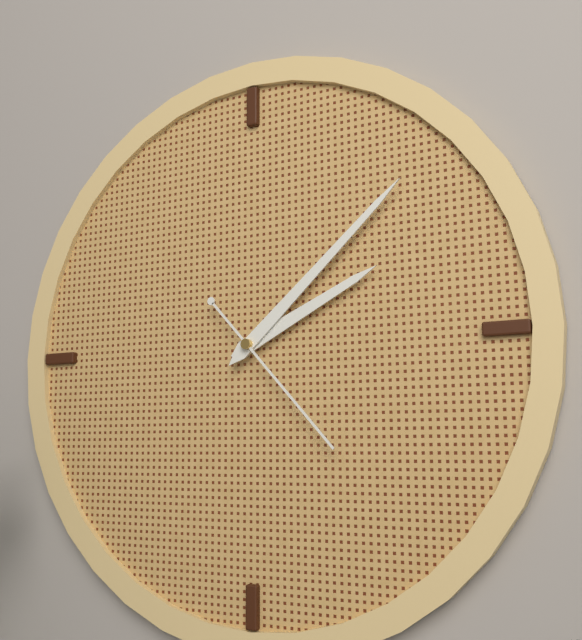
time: 2.08.23
